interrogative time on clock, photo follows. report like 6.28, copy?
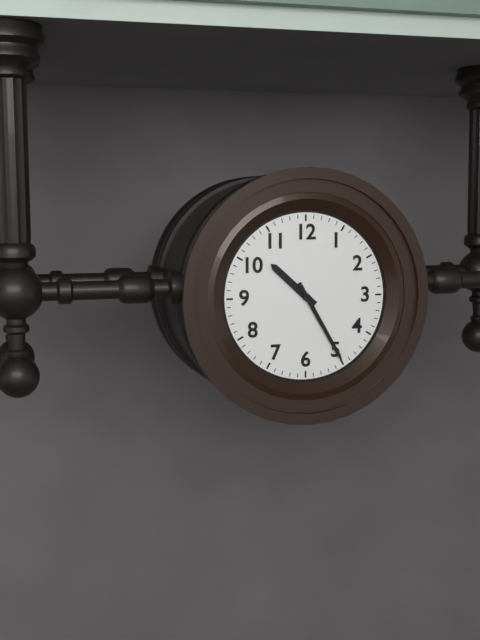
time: 10.25
